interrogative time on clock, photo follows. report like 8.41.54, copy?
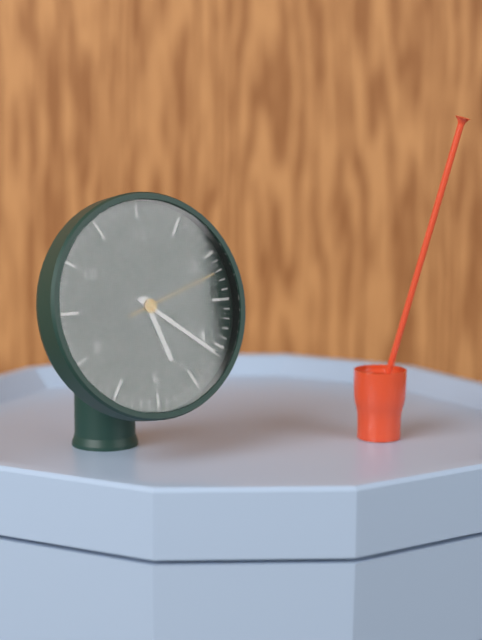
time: 5.21.12
